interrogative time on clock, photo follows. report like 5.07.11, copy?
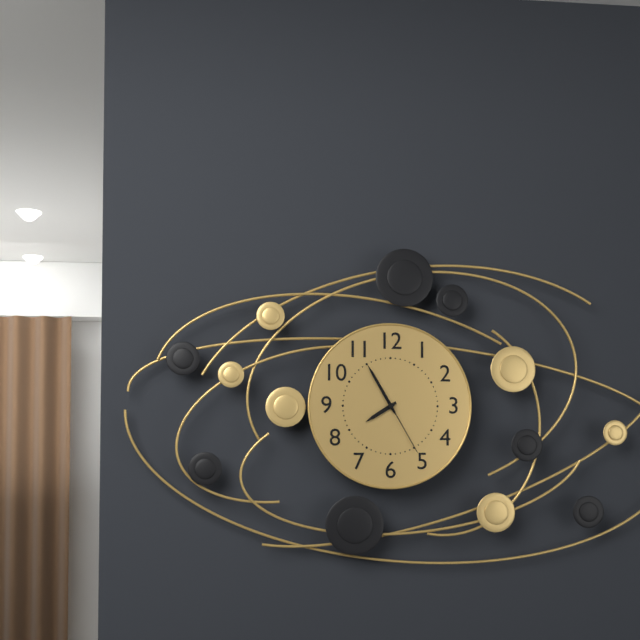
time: 7.55.25
